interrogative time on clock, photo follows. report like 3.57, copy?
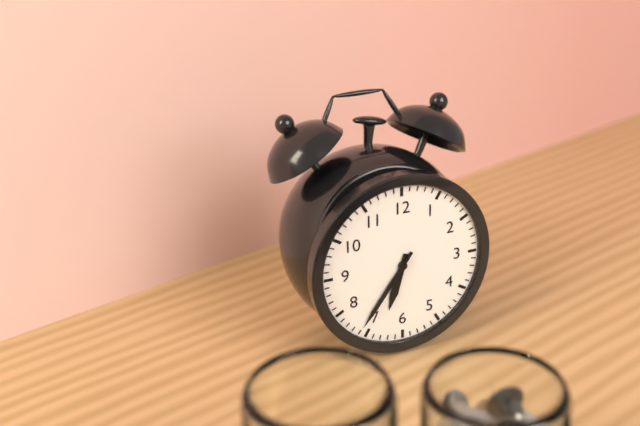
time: 6.36
